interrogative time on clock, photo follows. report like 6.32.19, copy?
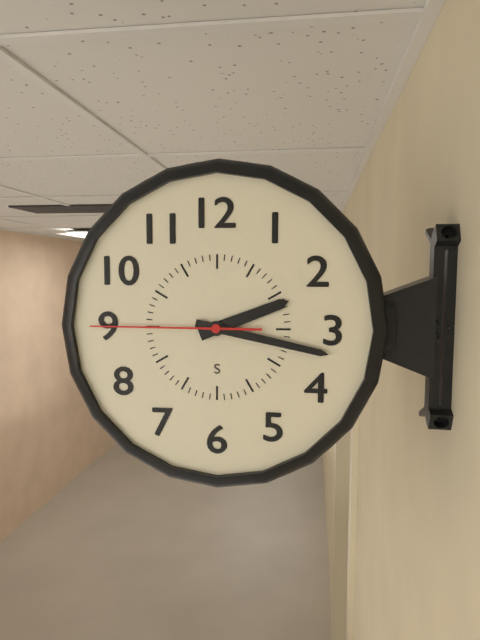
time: 2.17.45
